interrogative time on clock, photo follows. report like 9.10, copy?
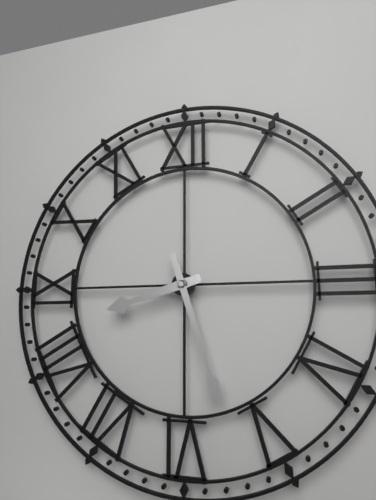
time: 8.27
